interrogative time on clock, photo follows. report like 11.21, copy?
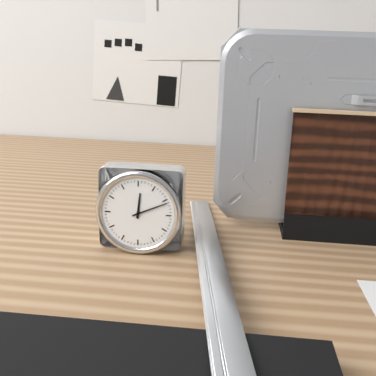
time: 12.11
